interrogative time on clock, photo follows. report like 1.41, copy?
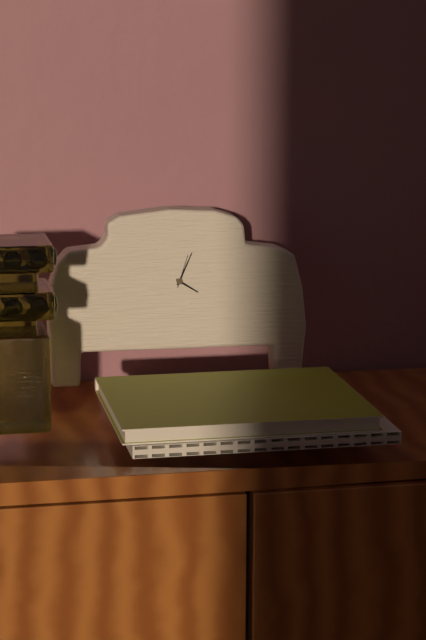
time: 4.04
